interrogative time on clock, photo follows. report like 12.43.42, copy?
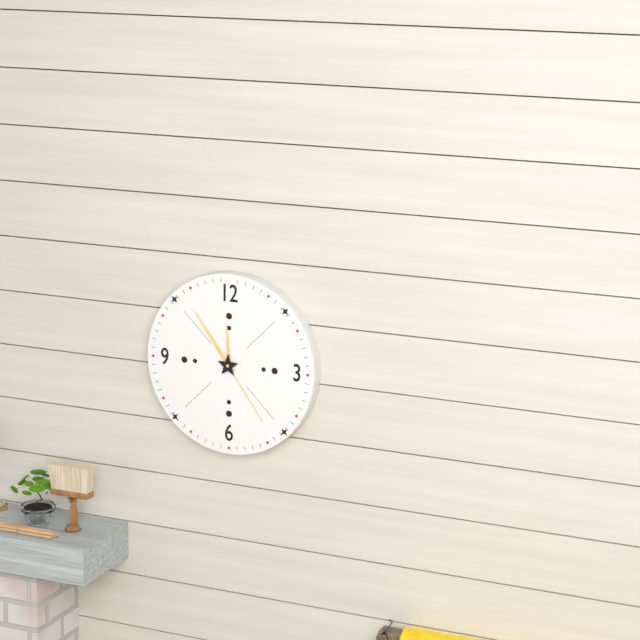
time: 11.54.24
